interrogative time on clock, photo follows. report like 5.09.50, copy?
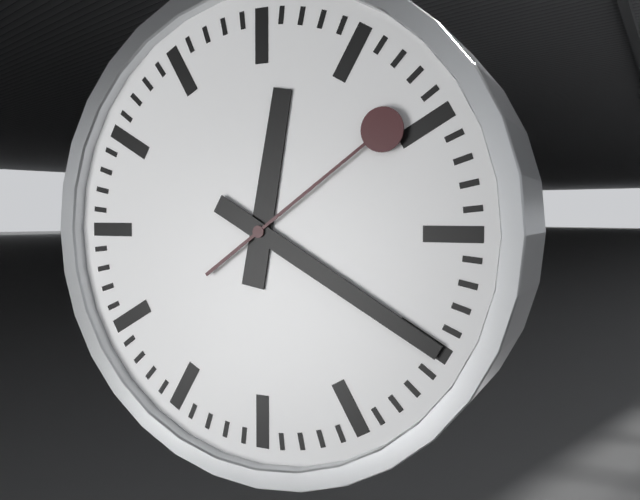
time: 12.20.09
